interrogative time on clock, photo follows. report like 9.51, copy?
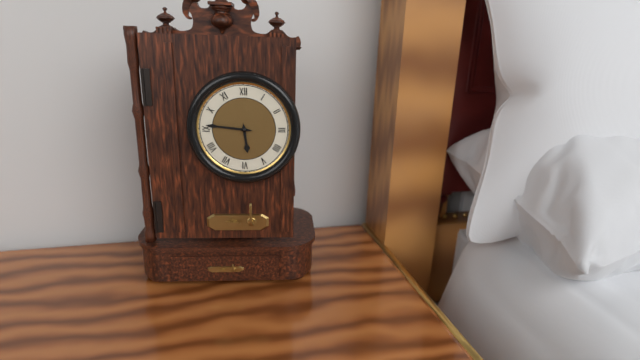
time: 5.46
